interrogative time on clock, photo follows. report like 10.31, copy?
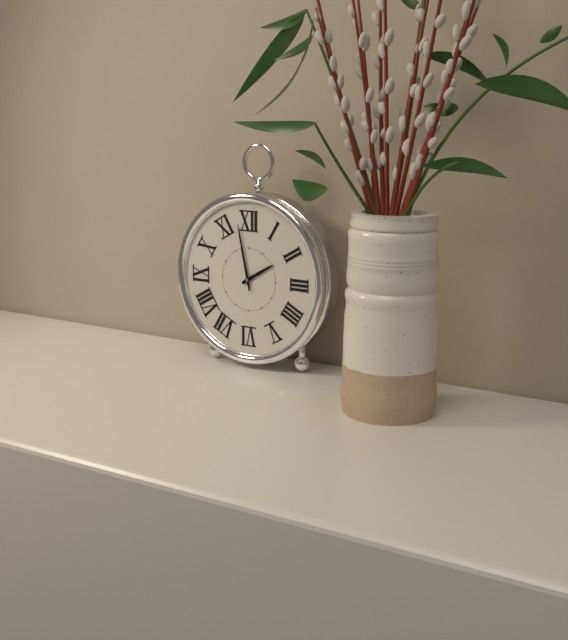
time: 1.58
